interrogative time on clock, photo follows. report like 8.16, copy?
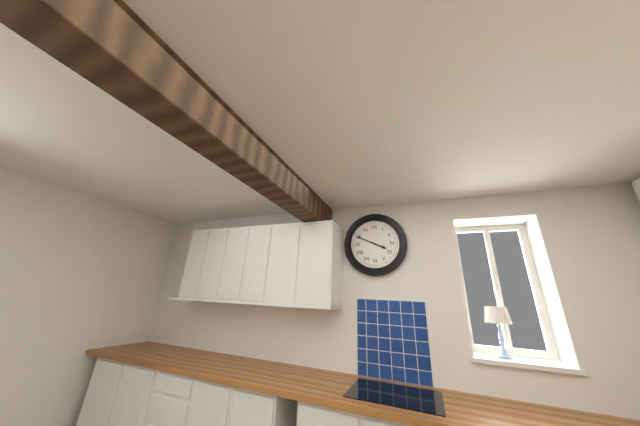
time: 3.49
